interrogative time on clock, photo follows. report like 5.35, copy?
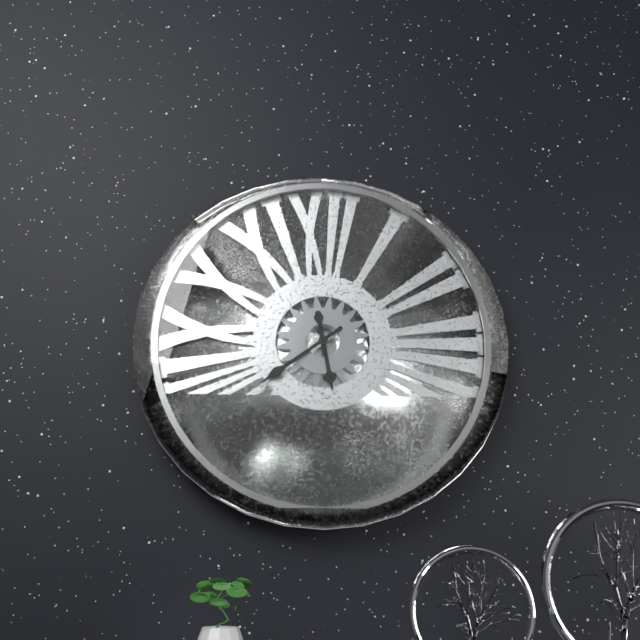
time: 5.39
